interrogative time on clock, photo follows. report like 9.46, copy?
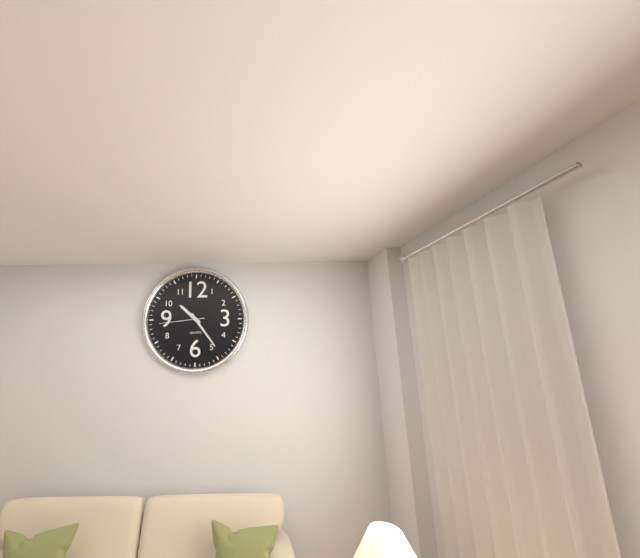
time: 10.24
